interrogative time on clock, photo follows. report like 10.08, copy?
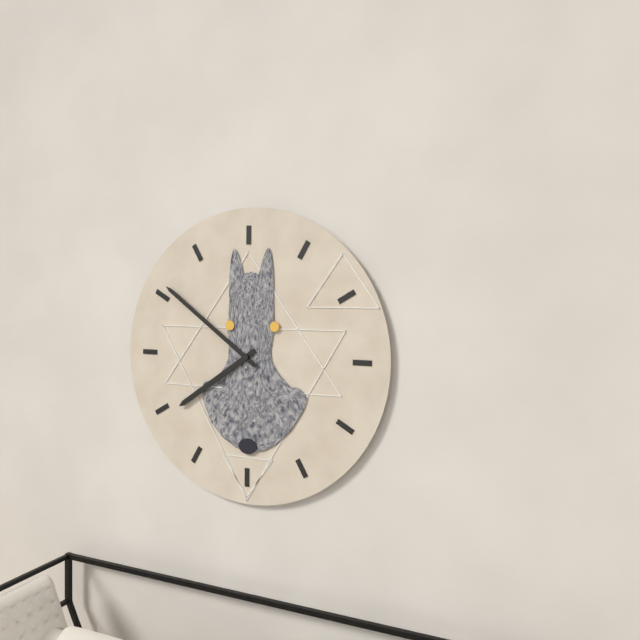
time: 7.51
